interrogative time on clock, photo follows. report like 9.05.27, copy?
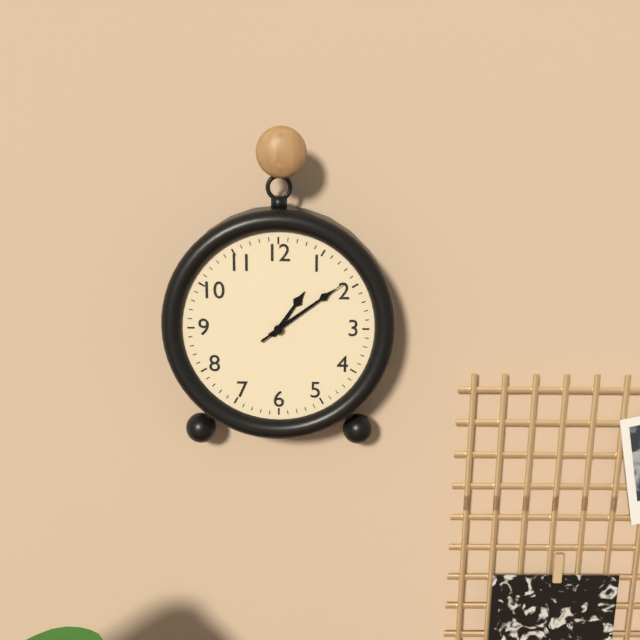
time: 1.09.09
